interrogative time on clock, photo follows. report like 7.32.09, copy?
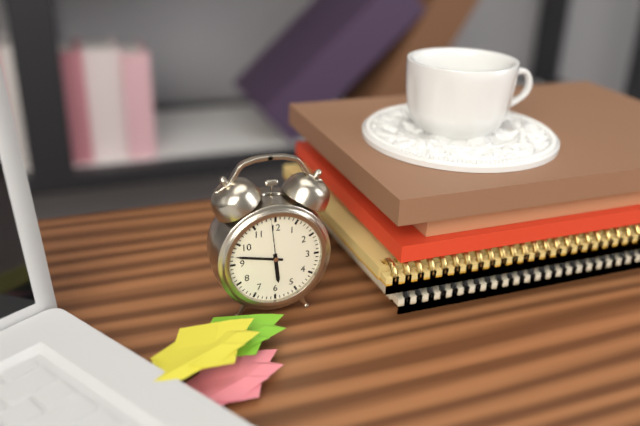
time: 5.47.59
